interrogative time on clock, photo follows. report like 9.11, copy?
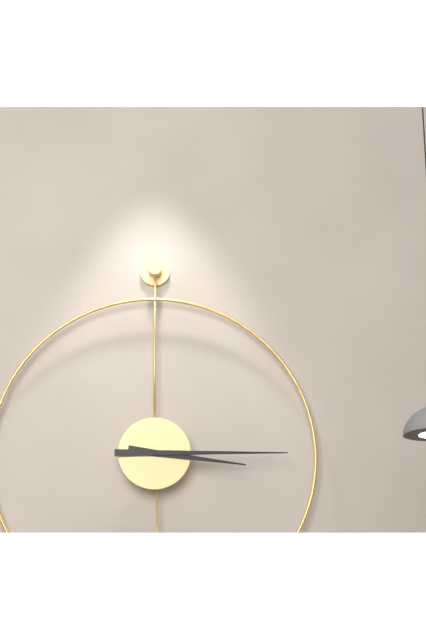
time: 3.15
